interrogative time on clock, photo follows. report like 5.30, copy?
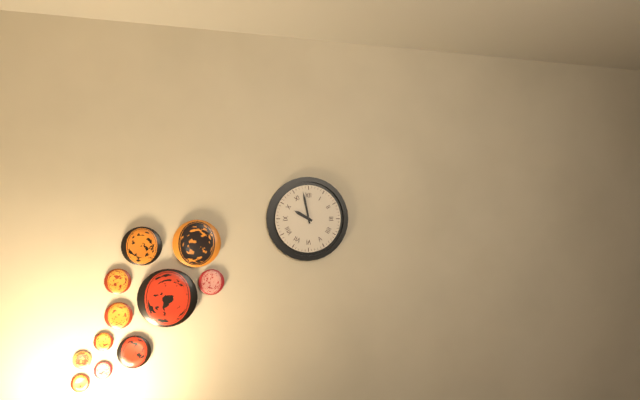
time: 9.58
